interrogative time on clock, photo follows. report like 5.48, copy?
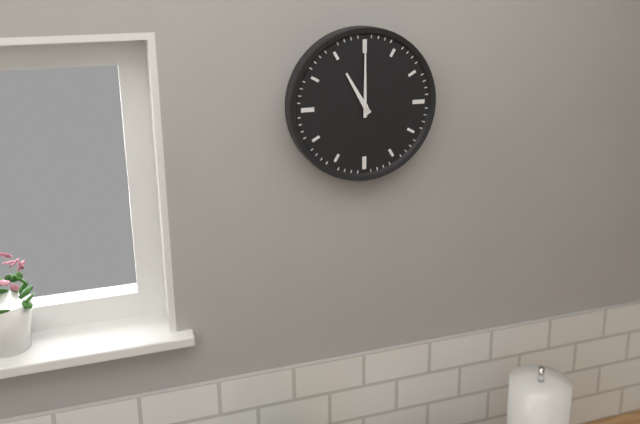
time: 11.00
